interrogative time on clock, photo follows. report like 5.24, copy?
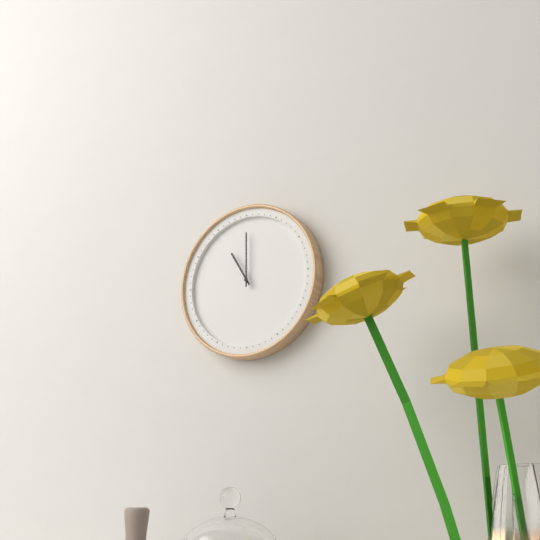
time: 11.00
